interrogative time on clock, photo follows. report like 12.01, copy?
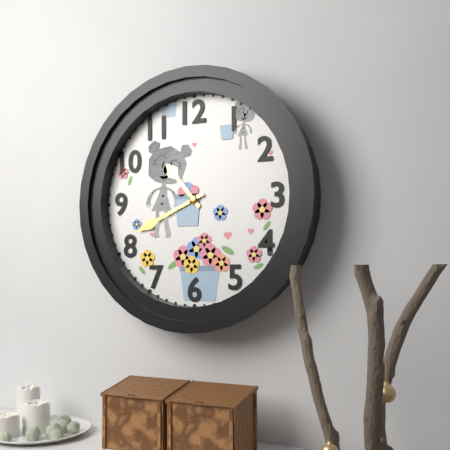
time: 10.41
